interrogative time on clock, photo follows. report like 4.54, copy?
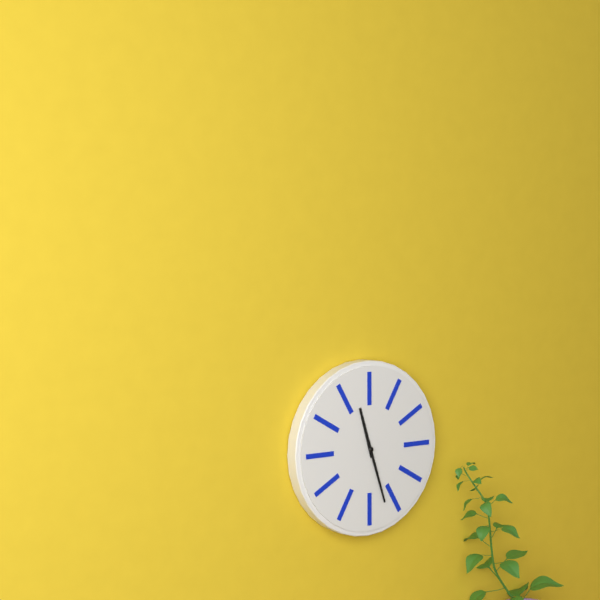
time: 11.27
